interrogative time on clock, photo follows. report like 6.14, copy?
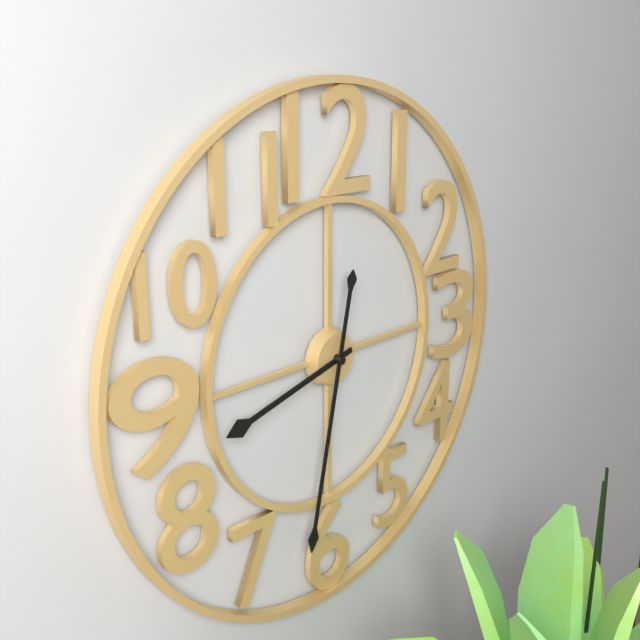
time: 8.32
